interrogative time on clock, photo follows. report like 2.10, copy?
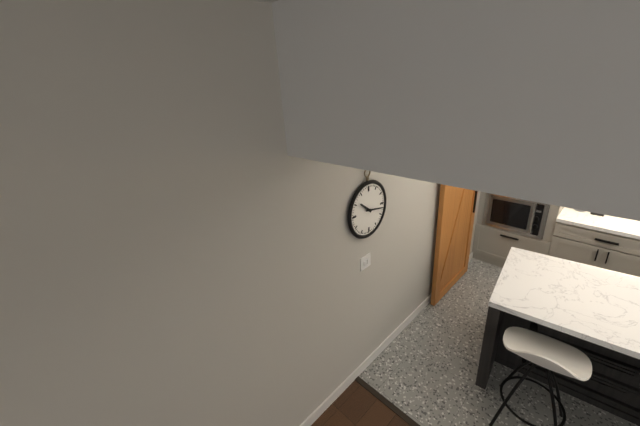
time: 10.17
